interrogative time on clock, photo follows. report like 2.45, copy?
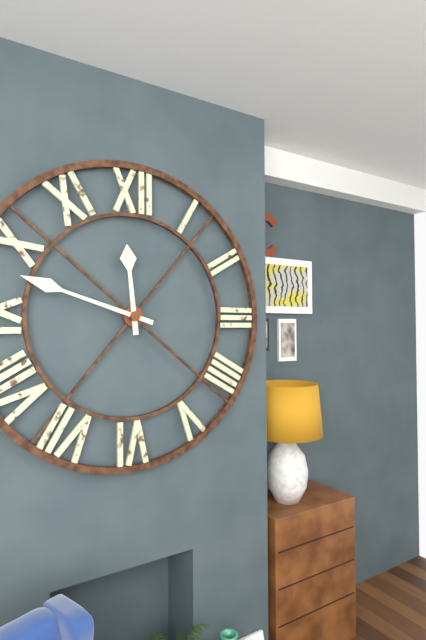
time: 11.48
